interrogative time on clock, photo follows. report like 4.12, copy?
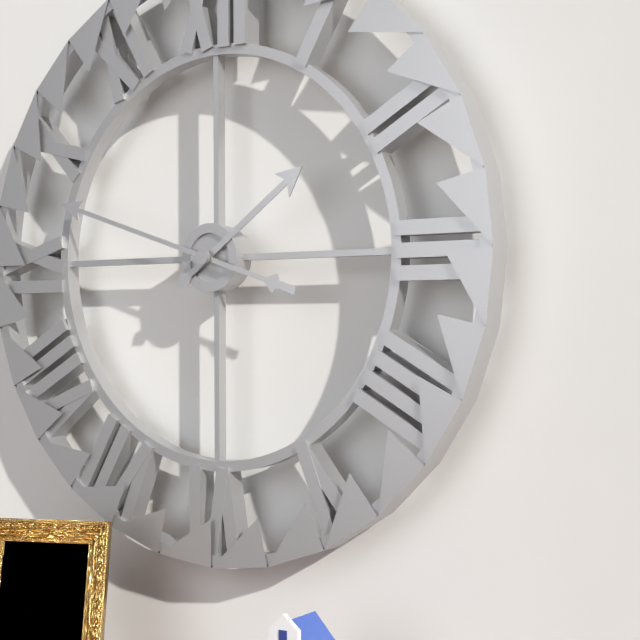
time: 1.48
